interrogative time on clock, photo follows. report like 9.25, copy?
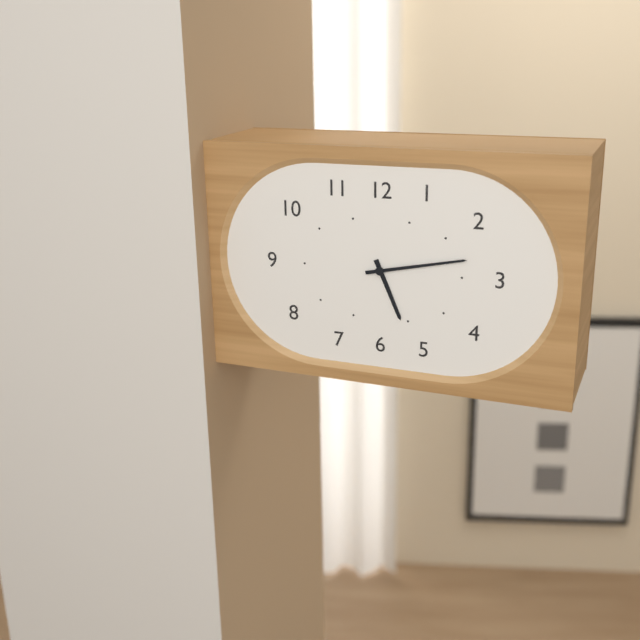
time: 5.13
